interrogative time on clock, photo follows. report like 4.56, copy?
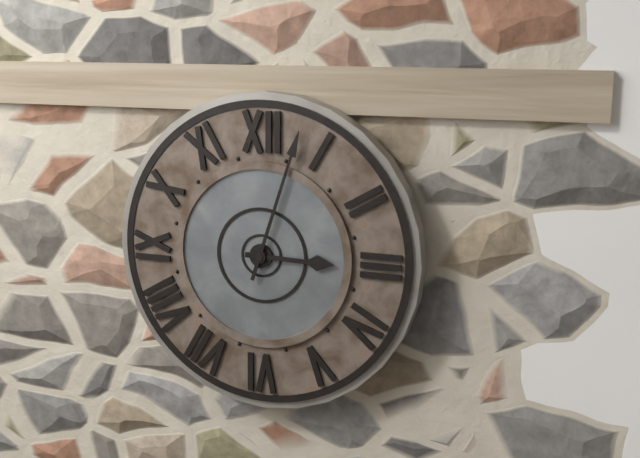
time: 3.03
